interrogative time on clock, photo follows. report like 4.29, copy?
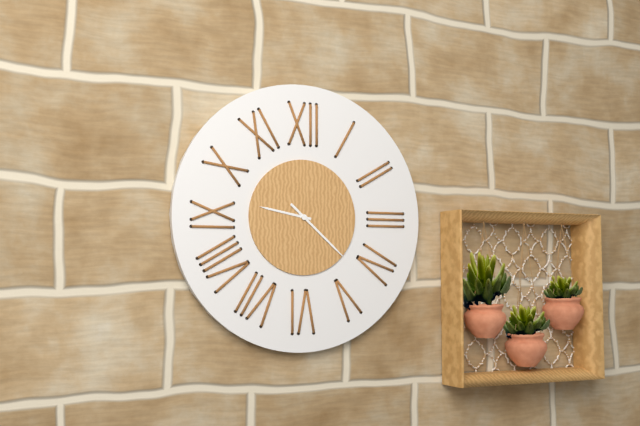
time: 9.22
